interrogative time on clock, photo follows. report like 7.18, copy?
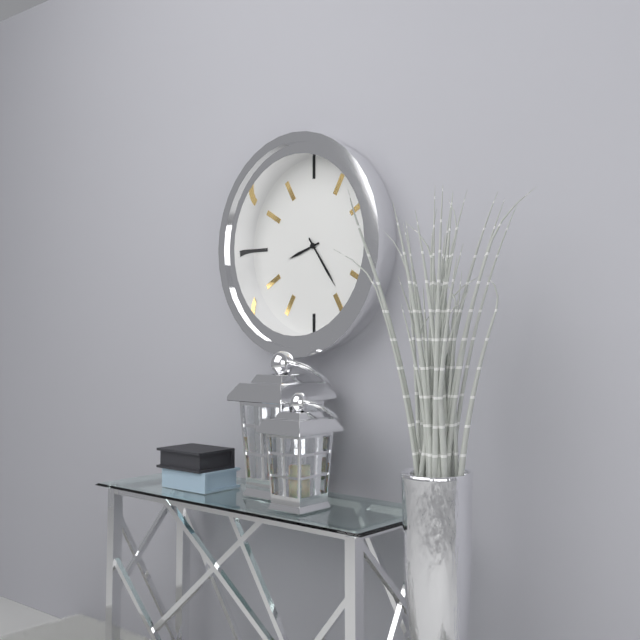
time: 8.24
